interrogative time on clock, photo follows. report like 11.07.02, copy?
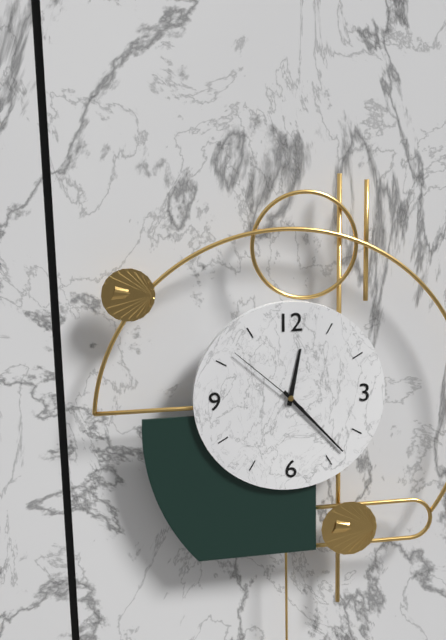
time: 12.23.52
